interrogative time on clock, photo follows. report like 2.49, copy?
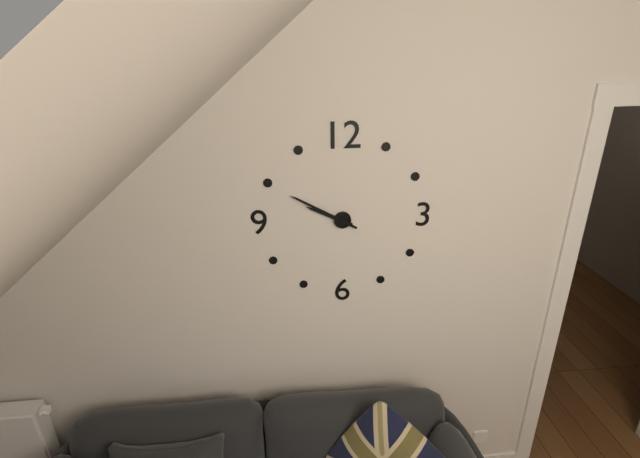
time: 9.50
